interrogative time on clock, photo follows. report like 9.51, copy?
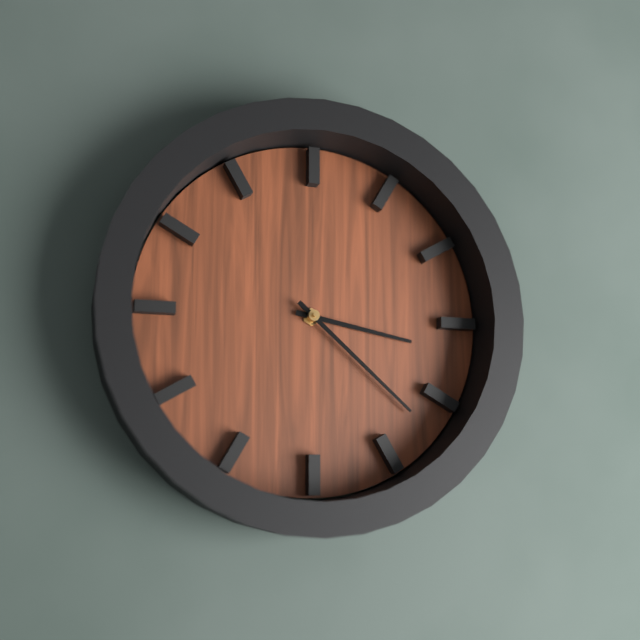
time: 3.22
